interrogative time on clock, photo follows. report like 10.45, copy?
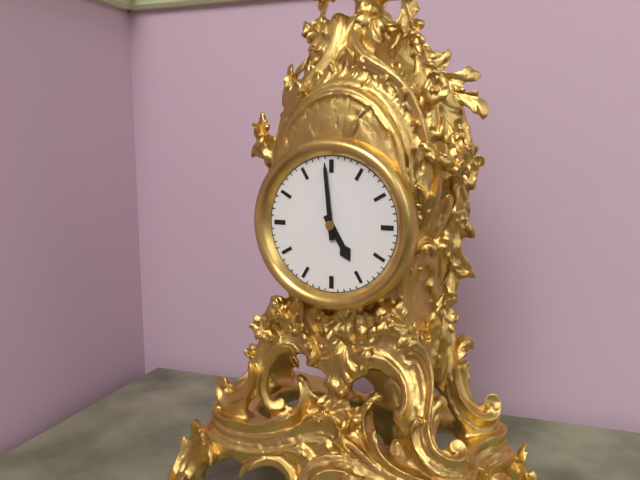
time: 4.59
